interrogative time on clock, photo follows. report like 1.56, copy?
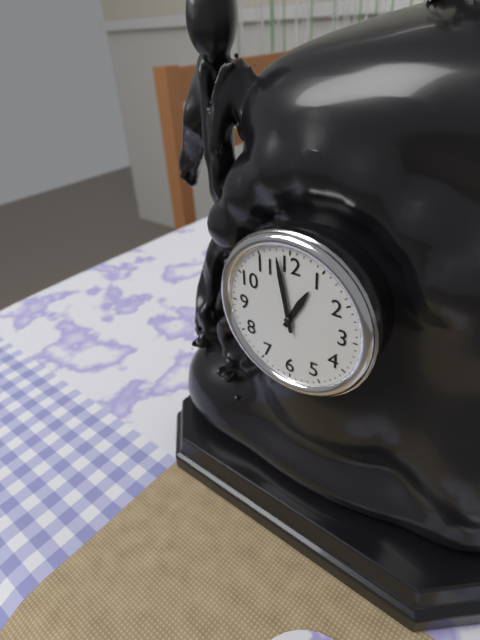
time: 12.58
